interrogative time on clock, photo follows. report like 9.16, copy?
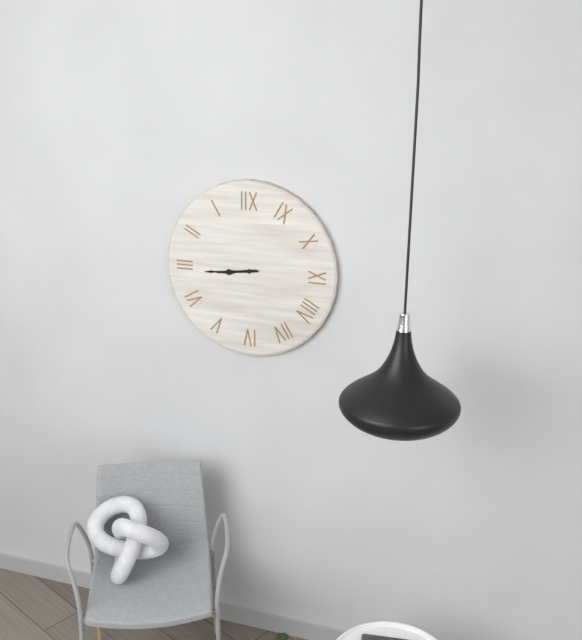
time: 8.44
